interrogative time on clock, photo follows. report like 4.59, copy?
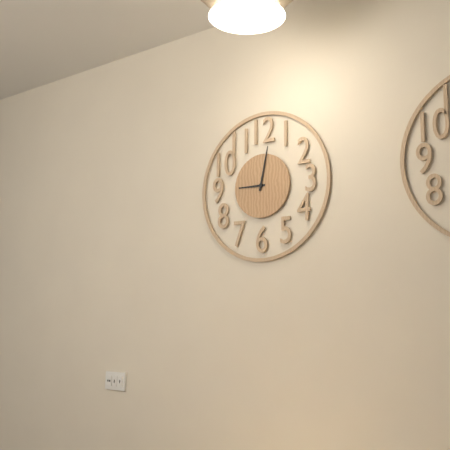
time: 9.02
